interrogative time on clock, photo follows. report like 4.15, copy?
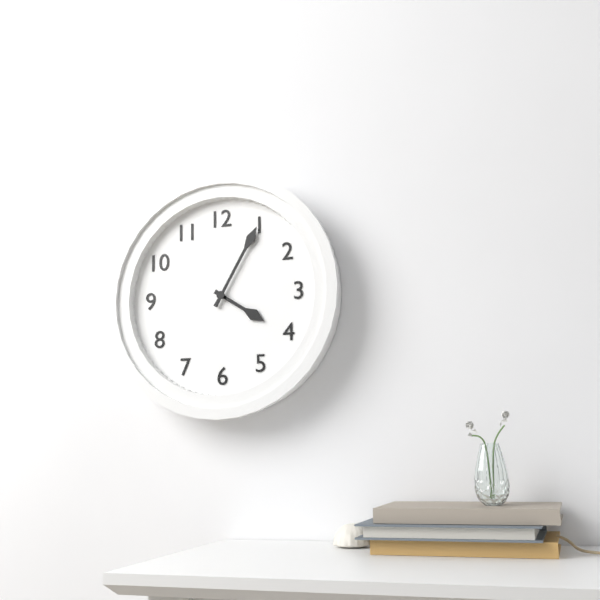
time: 4.05
